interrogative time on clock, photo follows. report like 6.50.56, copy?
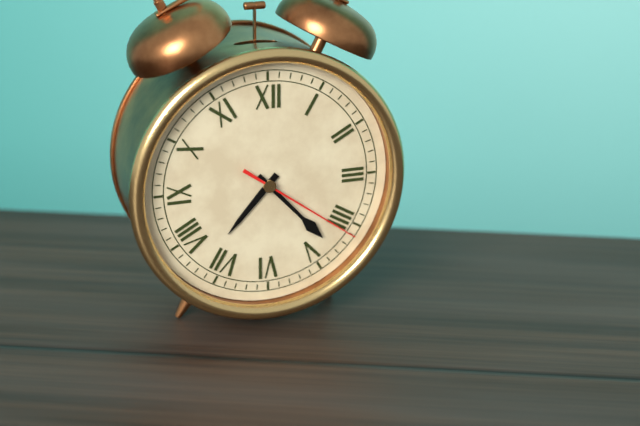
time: 7.23.21
